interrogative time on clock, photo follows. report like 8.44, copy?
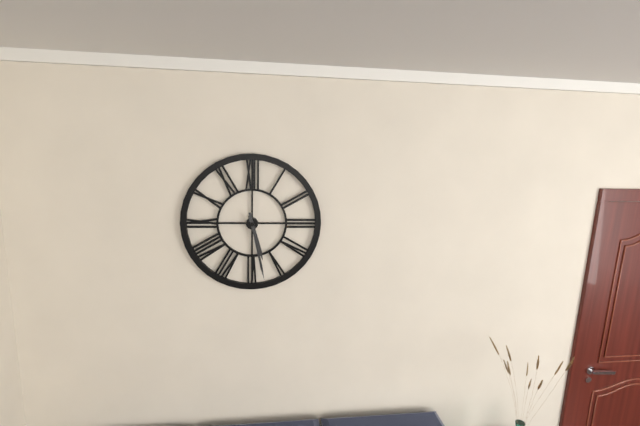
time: 5.28
